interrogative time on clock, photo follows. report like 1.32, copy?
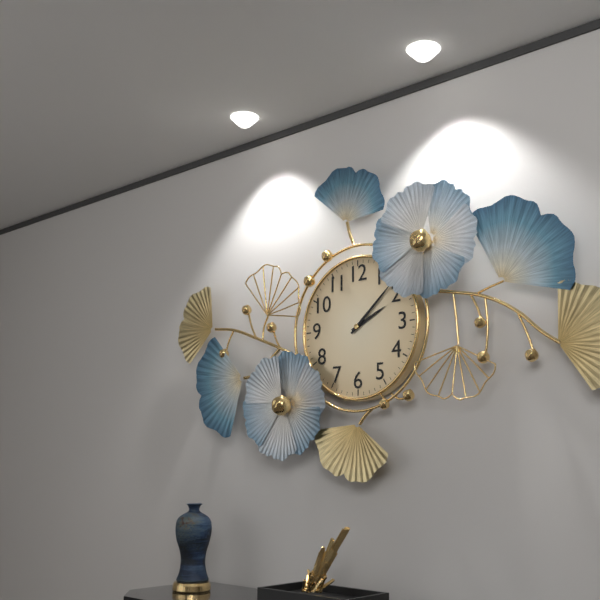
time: 2.08
